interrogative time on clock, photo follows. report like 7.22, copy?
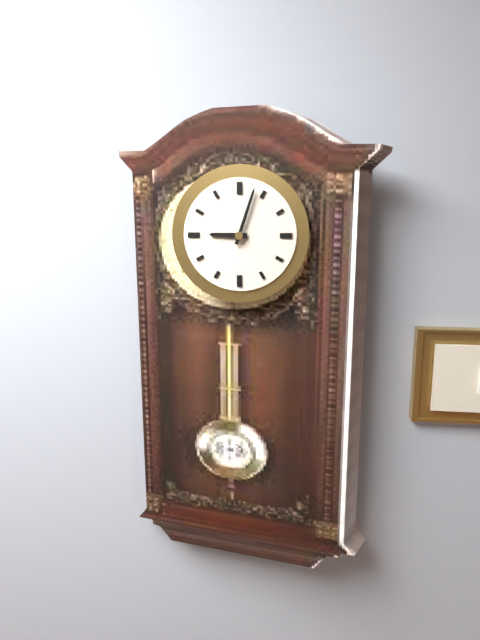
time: 9.03
